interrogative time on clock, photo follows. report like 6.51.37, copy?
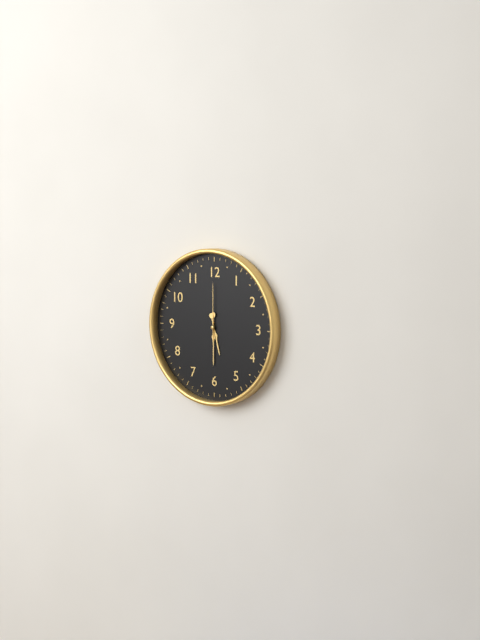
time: 5.30.00
